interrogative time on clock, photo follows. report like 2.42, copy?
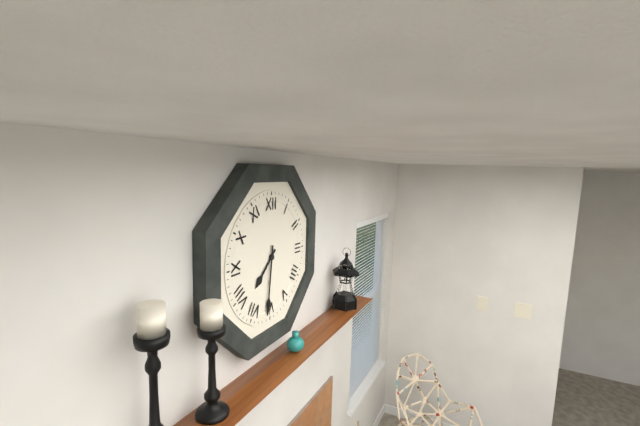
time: 7.31
